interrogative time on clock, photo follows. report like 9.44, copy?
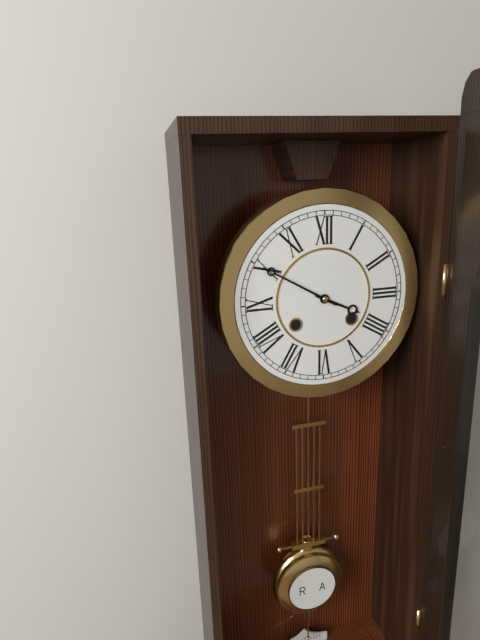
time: 3.50
